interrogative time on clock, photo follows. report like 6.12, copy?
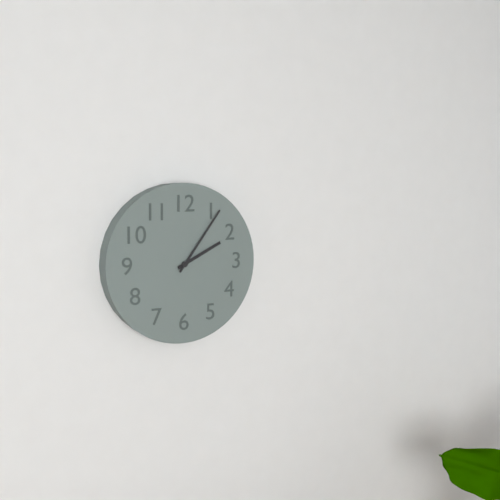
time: 2.06
